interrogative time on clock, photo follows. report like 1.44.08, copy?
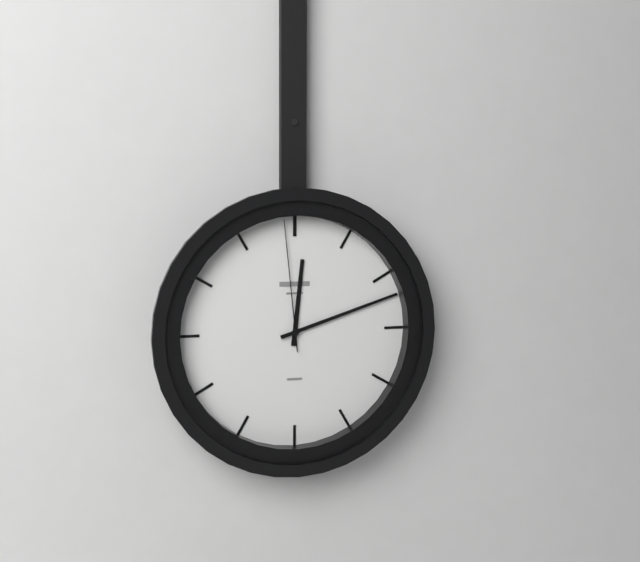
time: 12.12.59
